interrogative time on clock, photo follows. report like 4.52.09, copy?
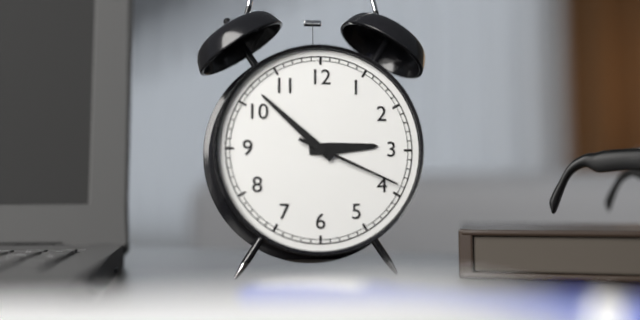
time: 2.52.19
